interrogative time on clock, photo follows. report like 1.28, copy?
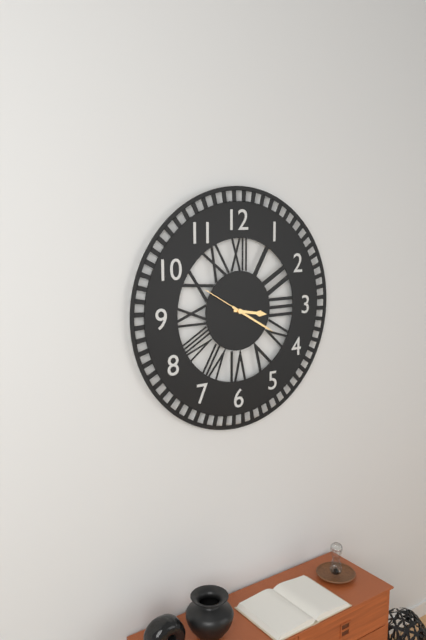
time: 3.20
